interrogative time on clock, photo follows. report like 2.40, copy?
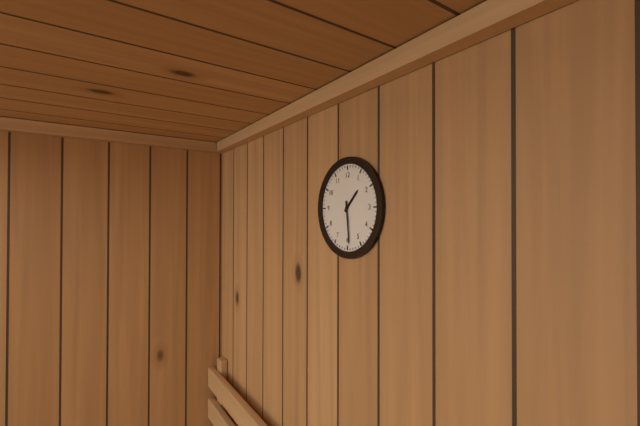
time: 1.29
